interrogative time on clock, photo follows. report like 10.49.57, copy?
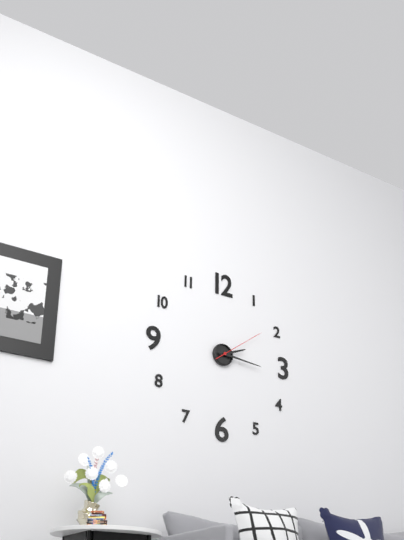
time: 2.16.09
